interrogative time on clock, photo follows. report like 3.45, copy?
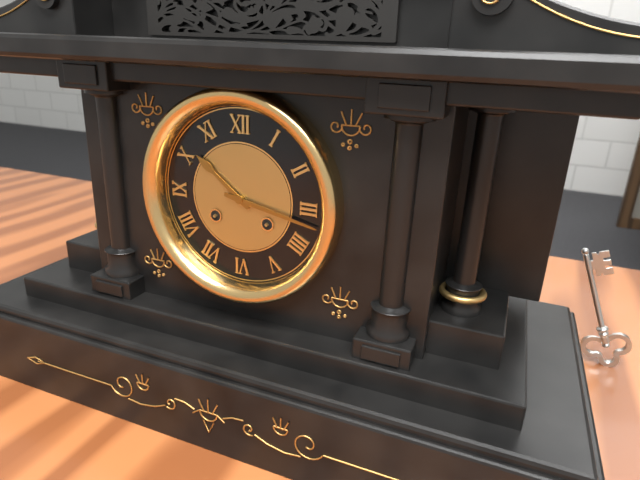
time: 10.17
